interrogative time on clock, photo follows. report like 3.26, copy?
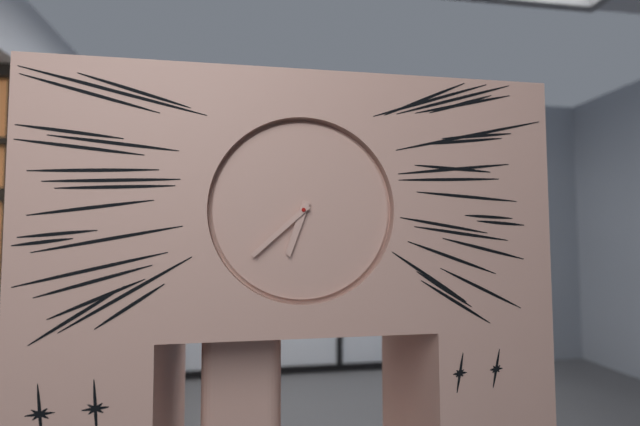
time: 6.38
